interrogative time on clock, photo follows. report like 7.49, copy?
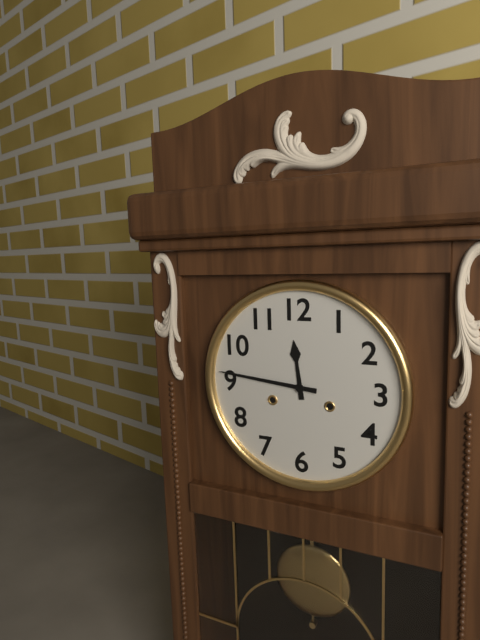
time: 11.46
